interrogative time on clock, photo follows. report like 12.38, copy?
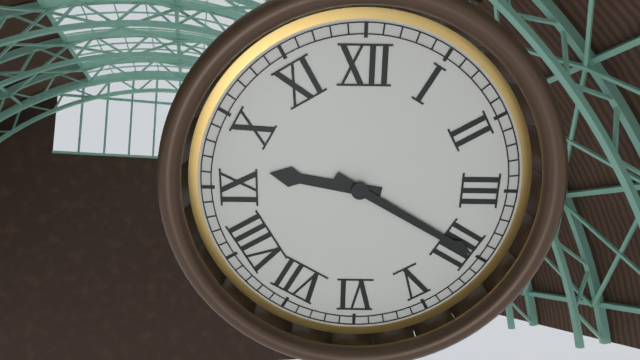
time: 9.20
